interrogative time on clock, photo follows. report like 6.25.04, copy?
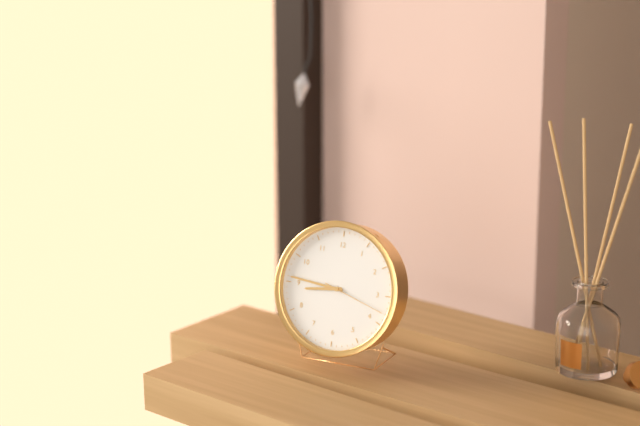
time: 8.46.18
